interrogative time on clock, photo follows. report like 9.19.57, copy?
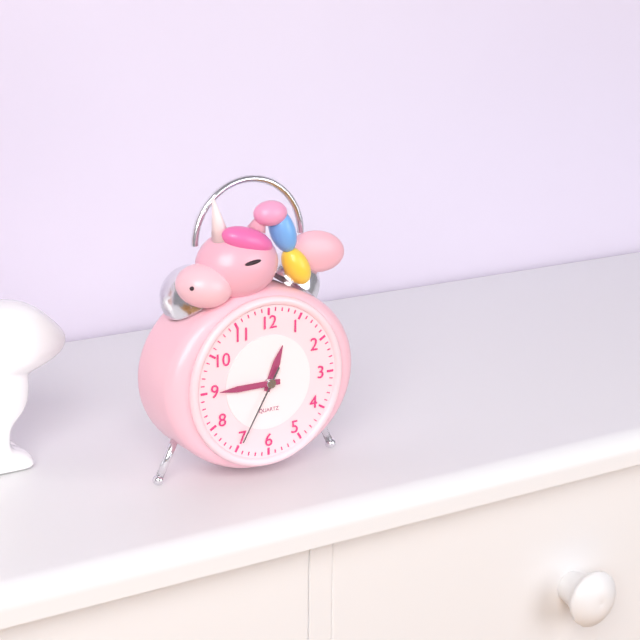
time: 12.45.35
